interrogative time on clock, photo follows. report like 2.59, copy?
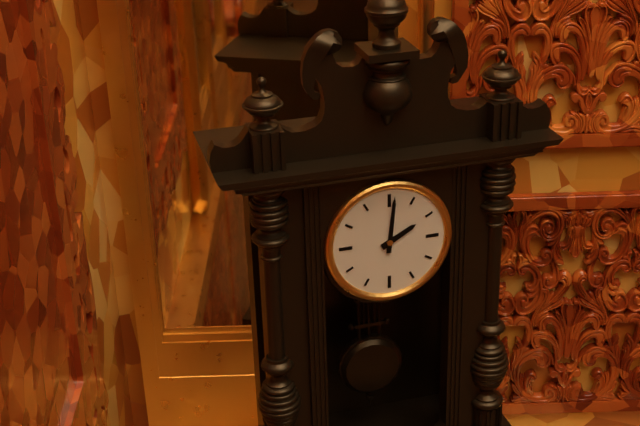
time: 2.01
